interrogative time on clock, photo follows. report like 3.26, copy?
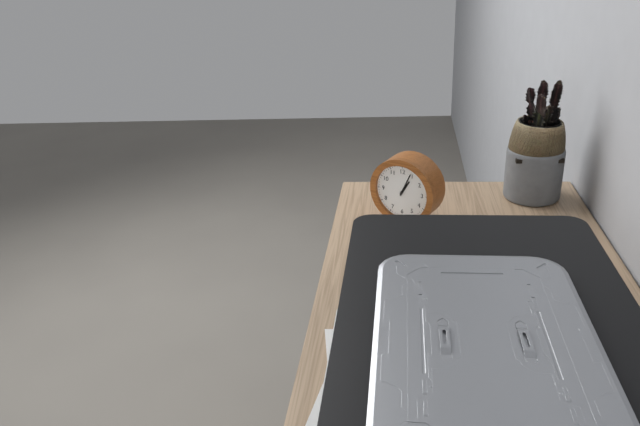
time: 1.04
